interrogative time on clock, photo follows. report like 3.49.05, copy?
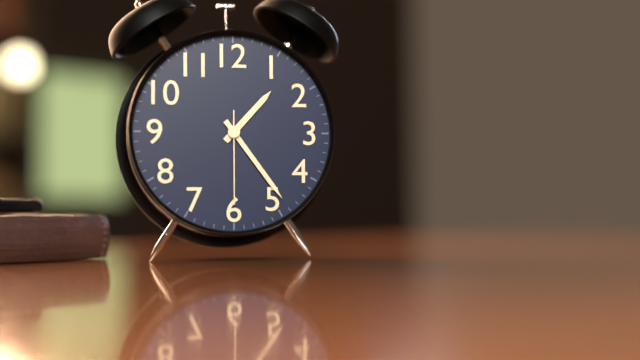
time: 1.24.30
